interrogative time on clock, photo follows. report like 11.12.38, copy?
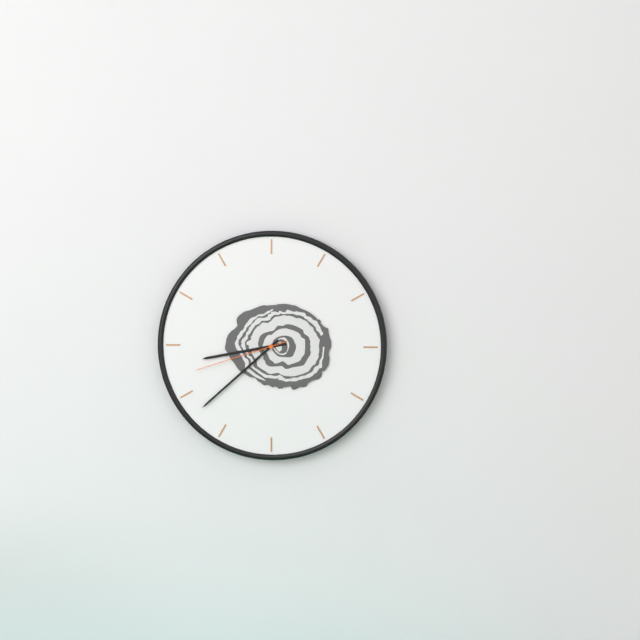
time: 8.38.42
